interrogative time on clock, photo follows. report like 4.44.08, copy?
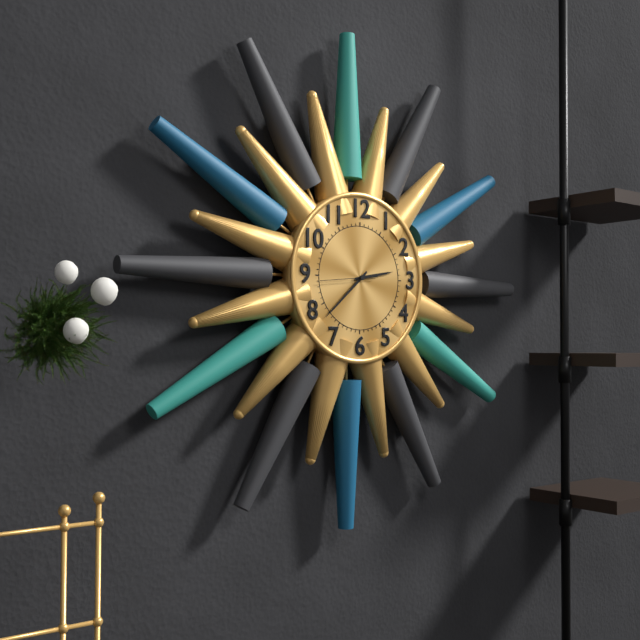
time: 2.38.44
